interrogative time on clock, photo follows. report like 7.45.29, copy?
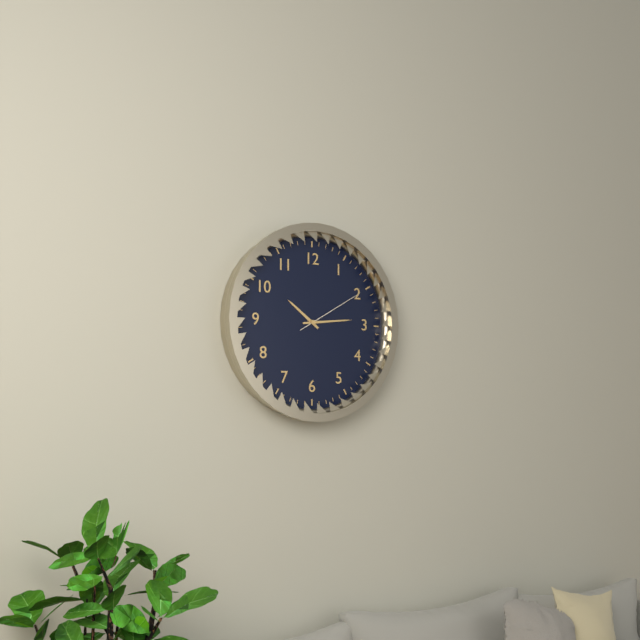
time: 10.14.10
